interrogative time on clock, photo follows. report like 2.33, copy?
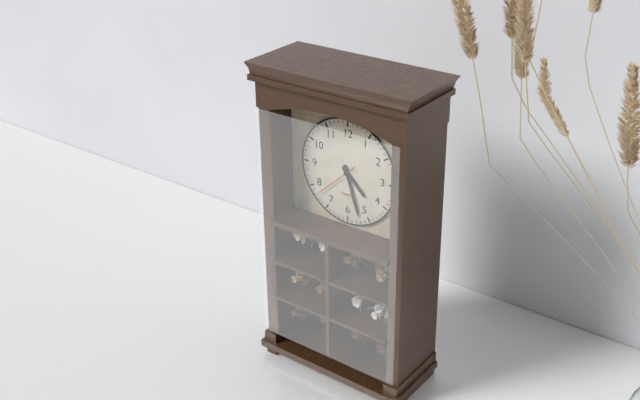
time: 4.27
